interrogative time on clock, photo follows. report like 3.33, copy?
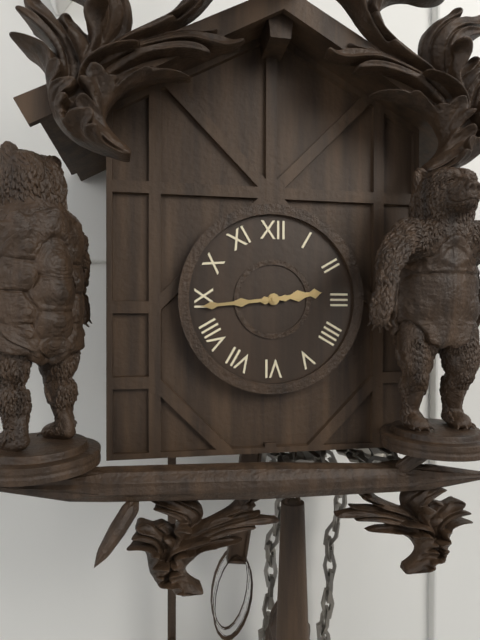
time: 2.44
